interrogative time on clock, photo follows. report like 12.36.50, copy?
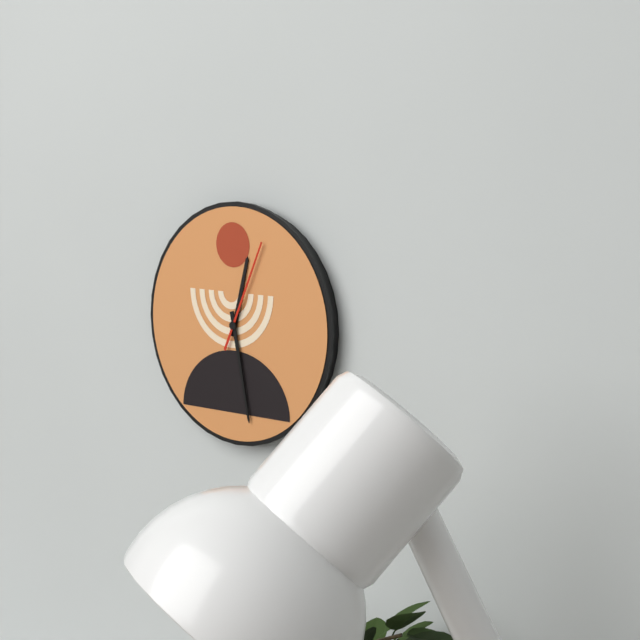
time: 12.28.04
